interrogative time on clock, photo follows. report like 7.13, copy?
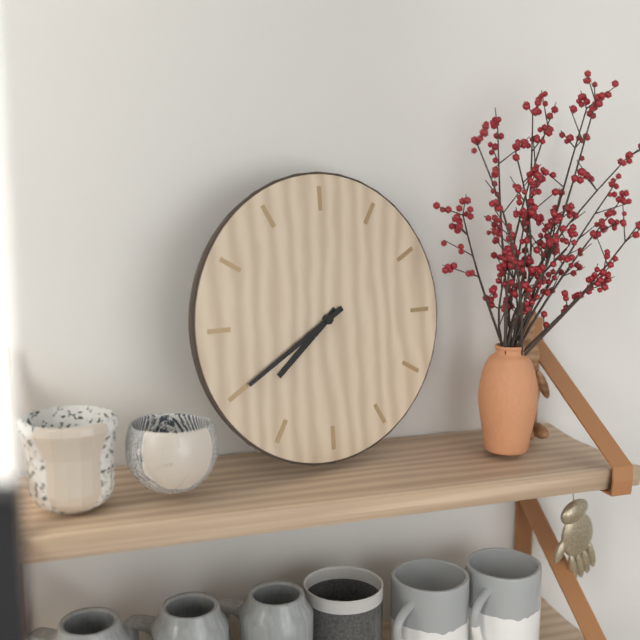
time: 7.40
